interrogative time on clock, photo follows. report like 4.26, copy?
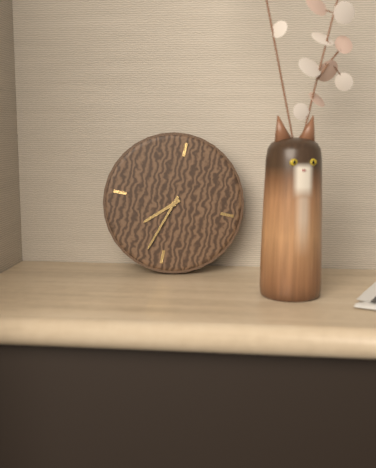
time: 7.33
